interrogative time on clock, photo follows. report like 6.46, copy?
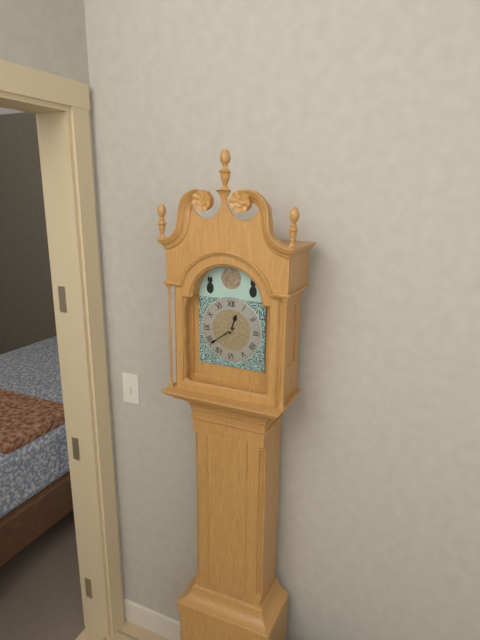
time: 12.39
